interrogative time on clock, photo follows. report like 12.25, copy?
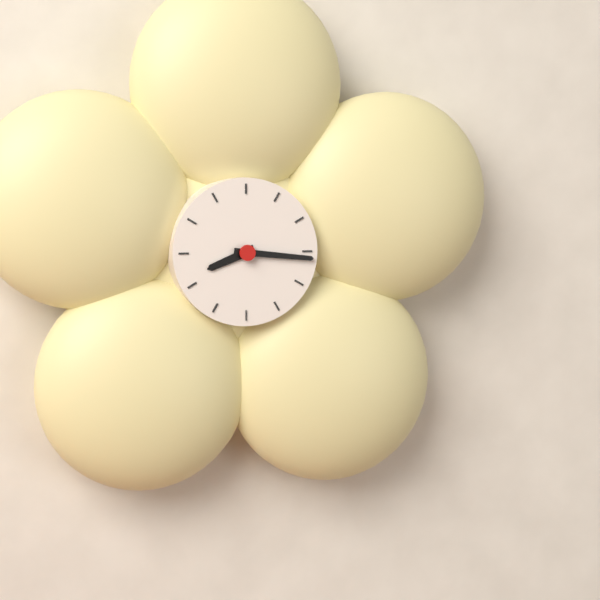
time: 8.16
